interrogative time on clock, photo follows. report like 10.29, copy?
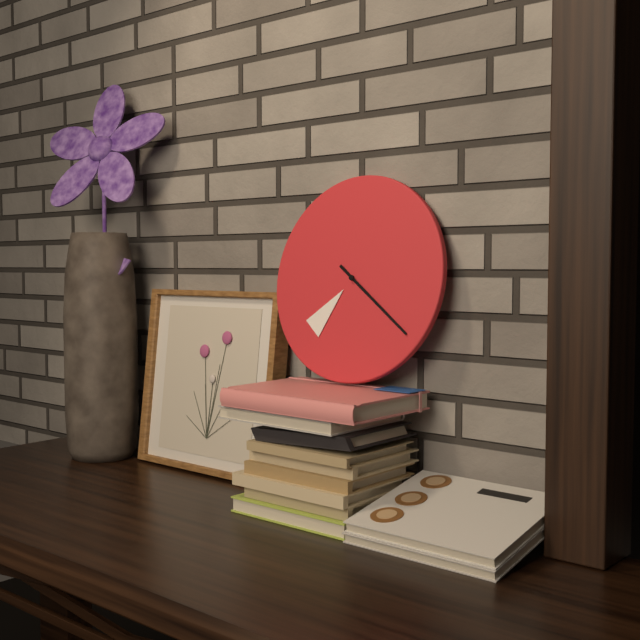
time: 7.21
